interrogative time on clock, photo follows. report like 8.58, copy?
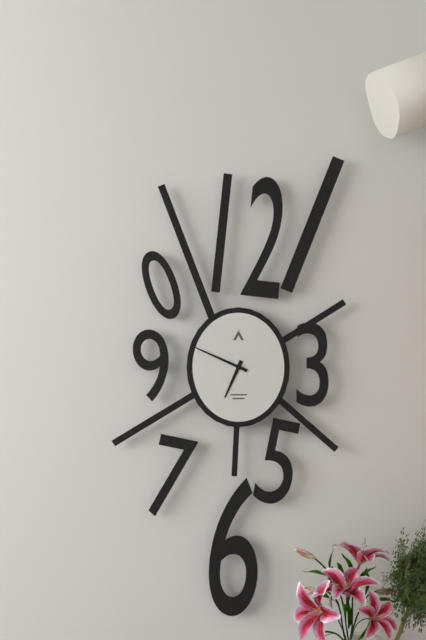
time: 6.49
